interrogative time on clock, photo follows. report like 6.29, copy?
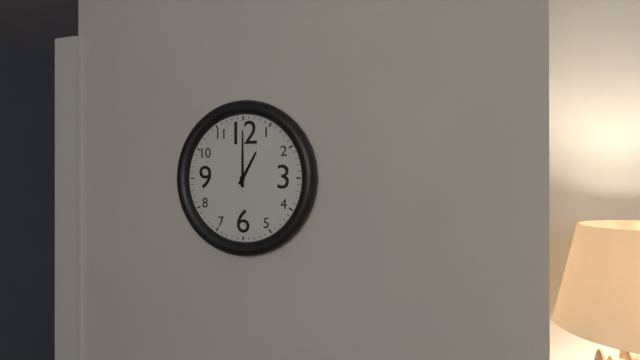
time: 1.00
